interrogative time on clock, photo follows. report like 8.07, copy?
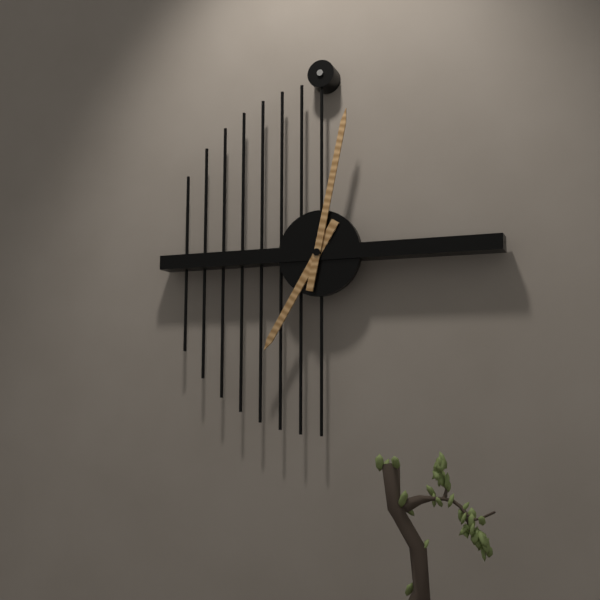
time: 7.02
